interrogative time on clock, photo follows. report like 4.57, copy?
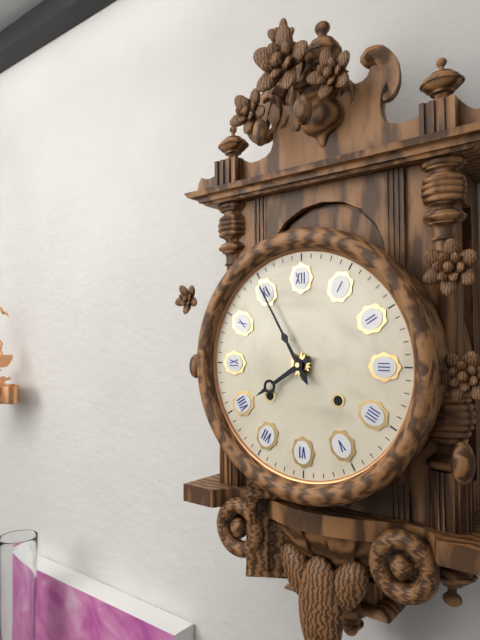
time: 7.55
